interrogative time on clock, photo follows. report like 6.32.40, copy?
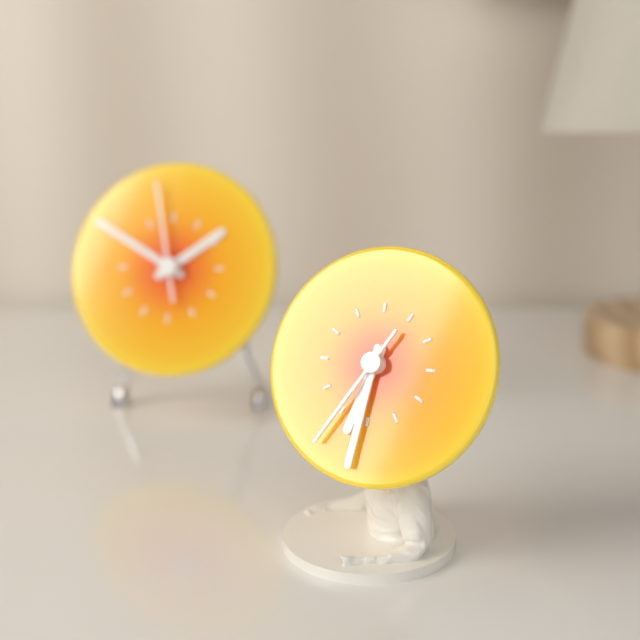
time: 6.31.35
